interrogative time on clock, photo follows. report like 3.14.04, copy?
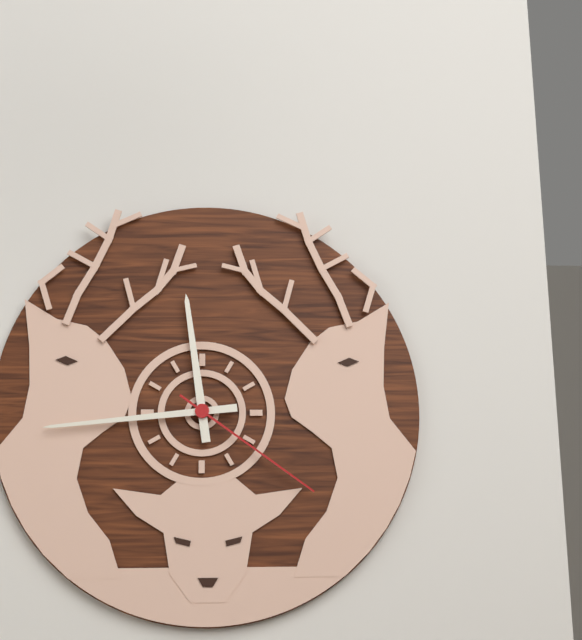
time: 11.44.21
